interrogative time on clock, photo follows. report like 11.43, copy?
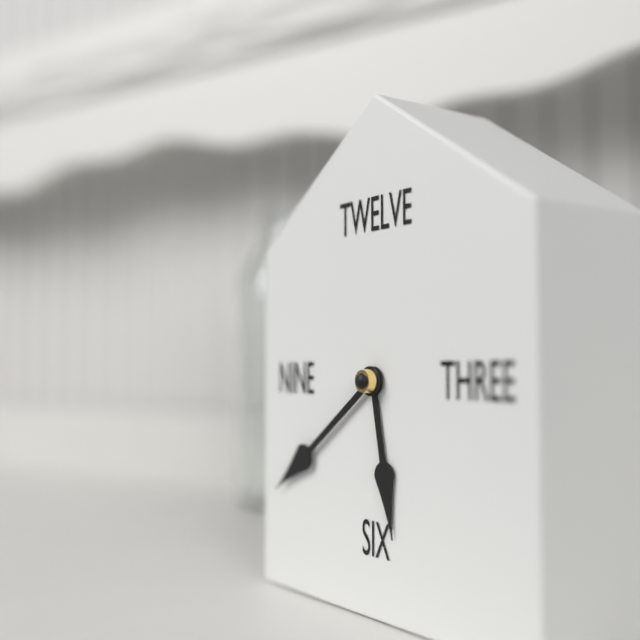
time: 5.39
